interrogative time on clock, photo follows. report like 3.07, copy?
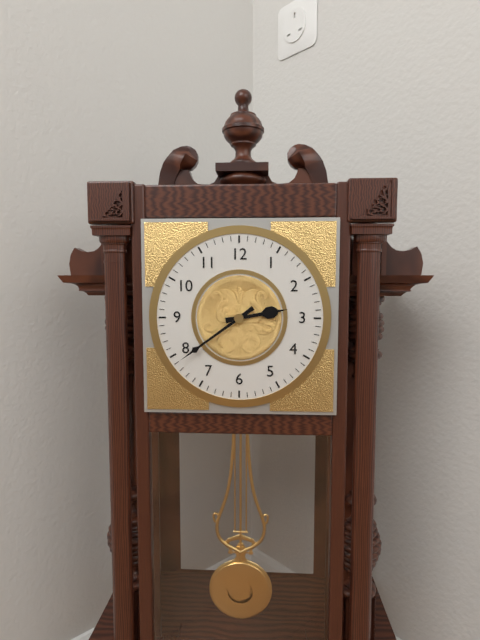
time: 2.39
